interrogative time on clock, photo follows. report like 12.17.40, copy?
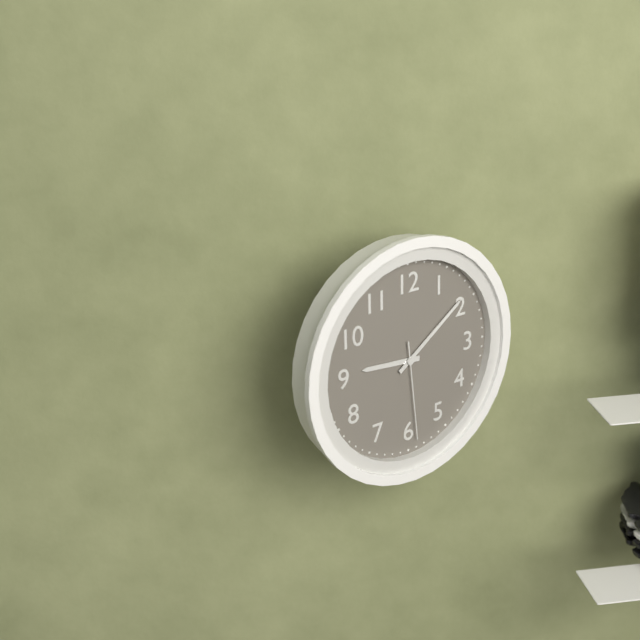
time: 9.09.29
